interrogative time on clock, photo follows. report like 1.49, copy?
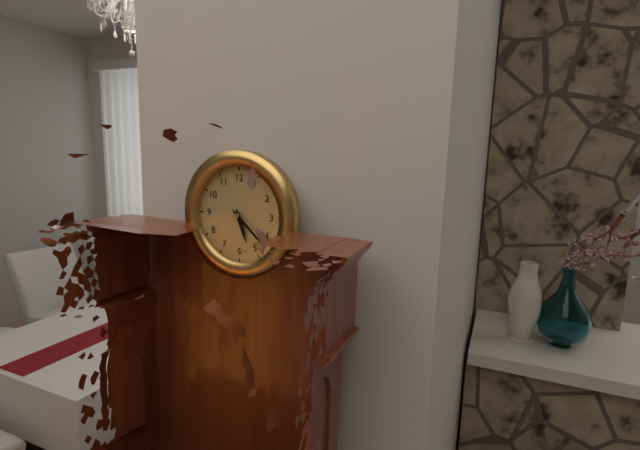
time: 5.22
